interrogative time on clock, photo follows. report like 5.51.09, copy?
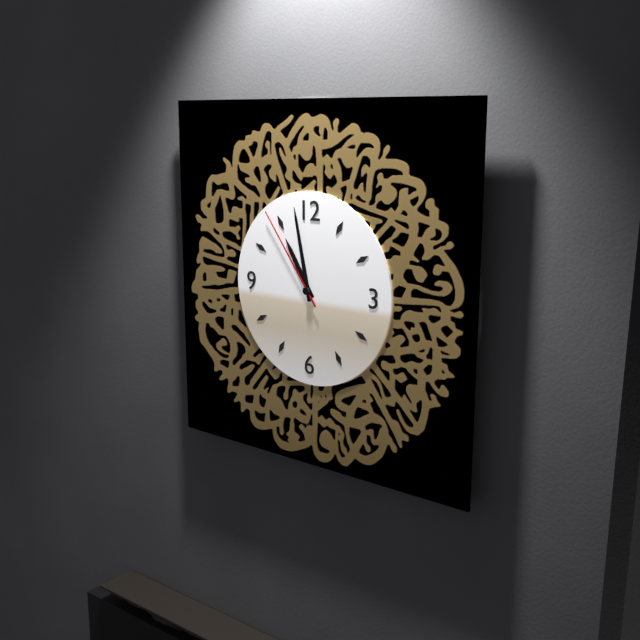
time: 10.58.54
